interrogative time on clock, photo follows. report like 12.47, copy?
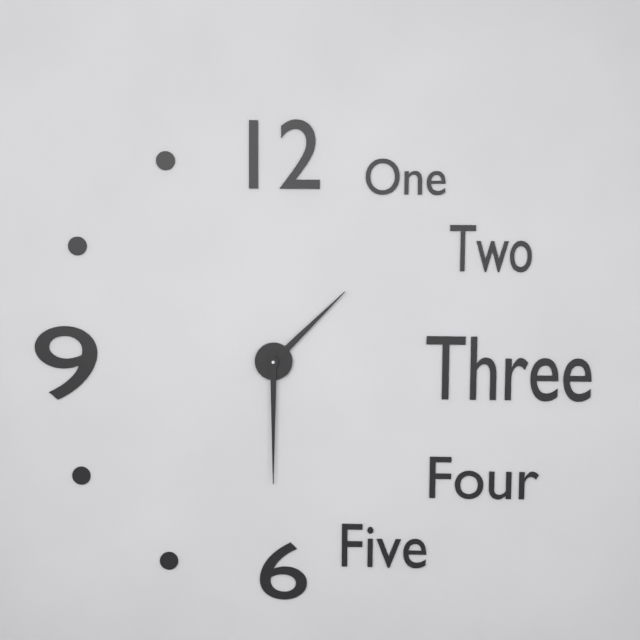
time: 1.30
